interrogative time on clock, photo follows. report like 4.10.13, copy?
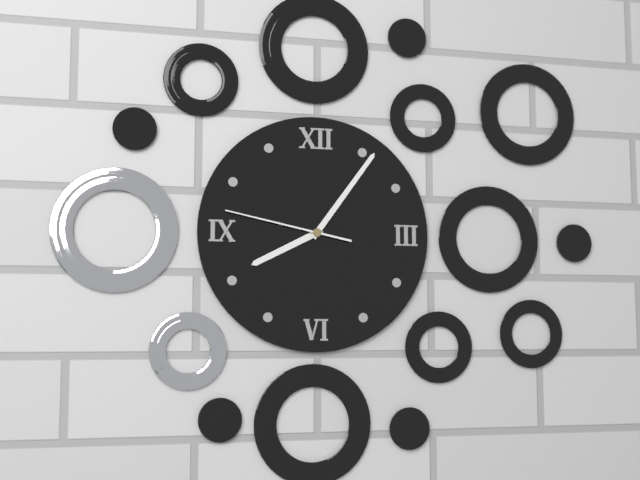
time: 8.06.47
